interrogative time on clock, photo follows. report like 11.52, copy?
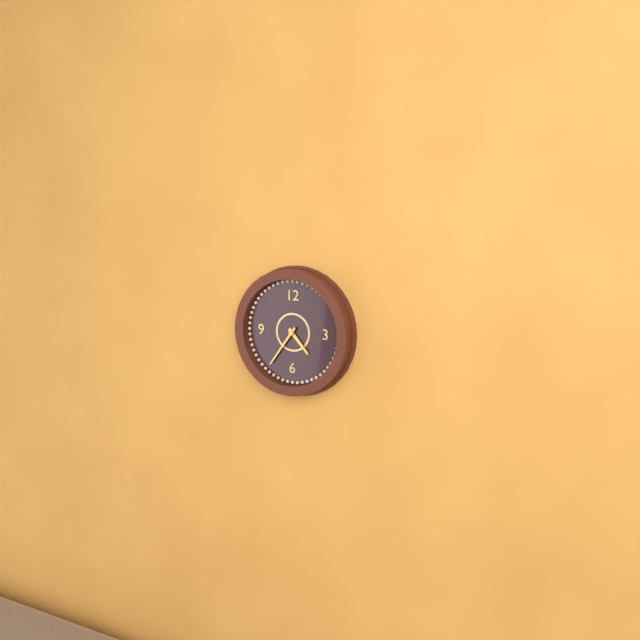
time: 4.36
